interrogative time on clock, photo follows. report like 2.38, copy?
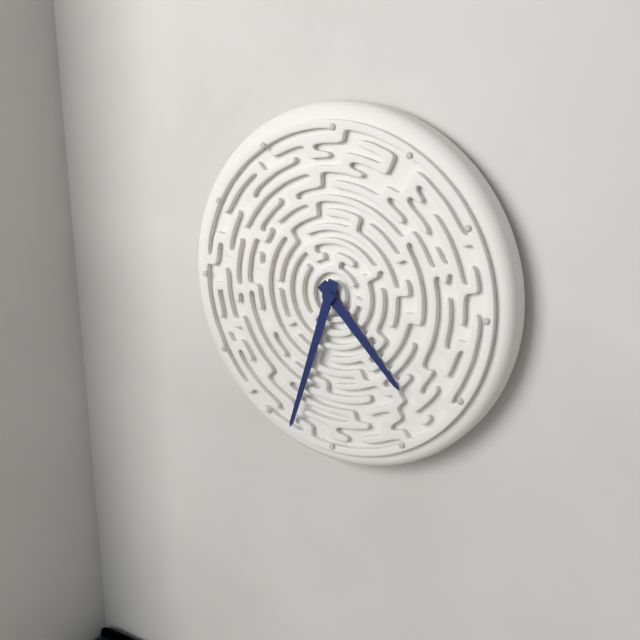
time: 4.33
